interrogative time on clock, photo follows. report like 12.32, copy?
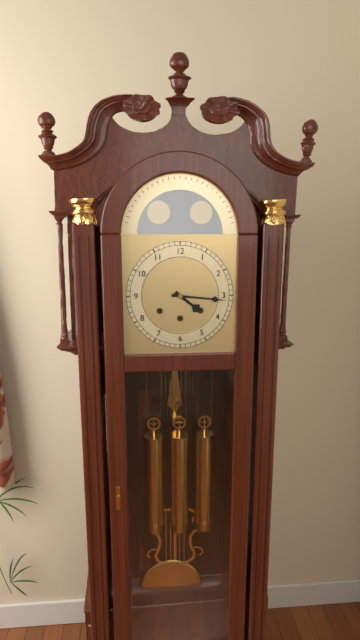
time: 4.16
